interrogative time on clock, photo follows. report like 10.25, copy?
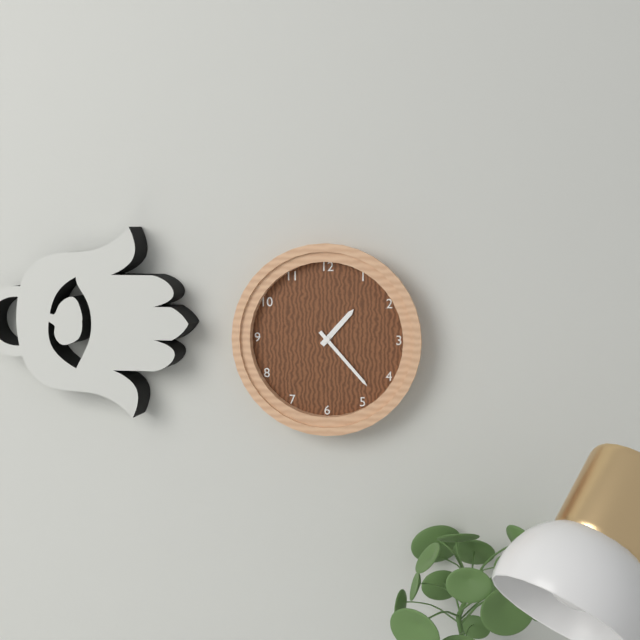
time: 1.23
